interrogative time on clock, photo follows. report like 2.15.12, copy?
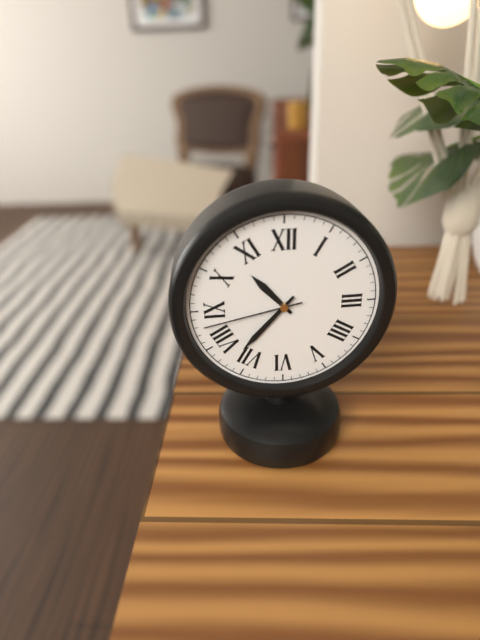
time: 10.37.43
